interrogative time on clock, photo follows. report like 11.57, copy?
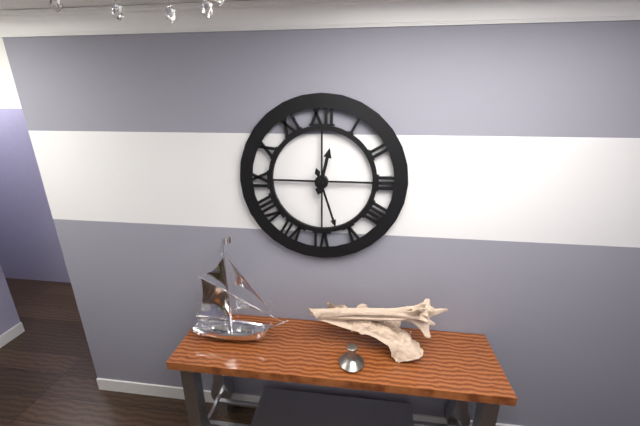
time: 12.27
